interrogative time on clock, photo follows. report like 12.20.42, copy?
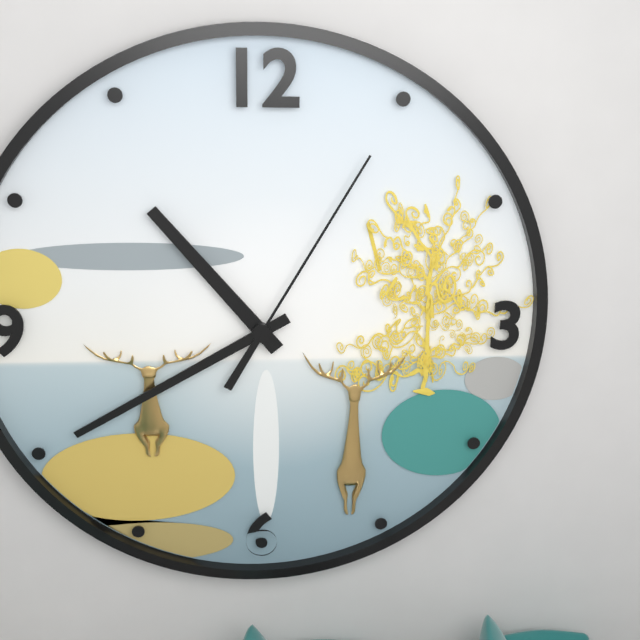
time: 10.40.05
